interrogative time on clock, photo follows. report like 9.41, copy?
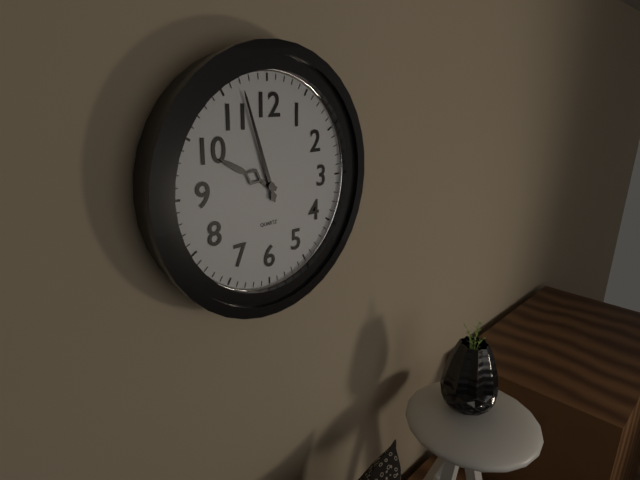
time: 9.57
